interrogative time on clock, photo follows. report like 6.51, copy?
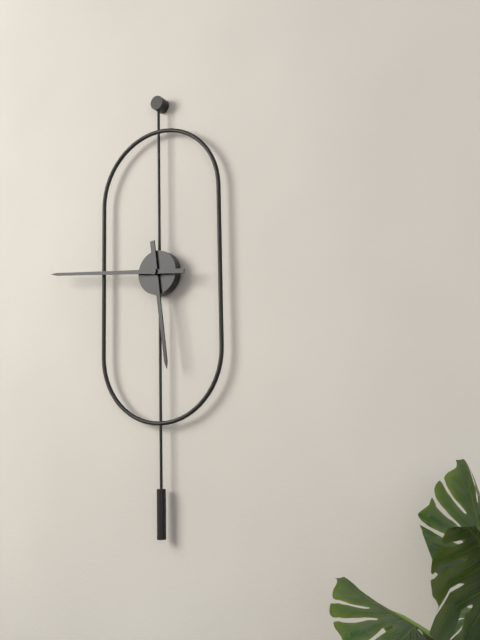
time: 5.46
